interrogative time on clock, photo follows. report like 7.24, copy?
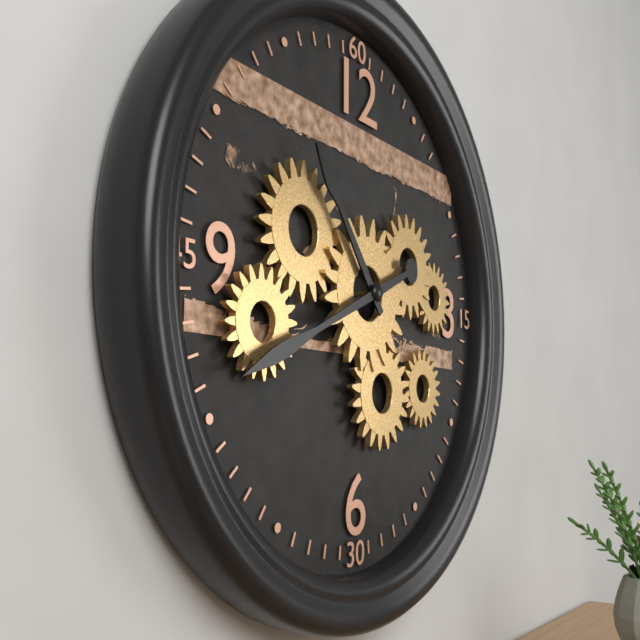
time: 10.41
